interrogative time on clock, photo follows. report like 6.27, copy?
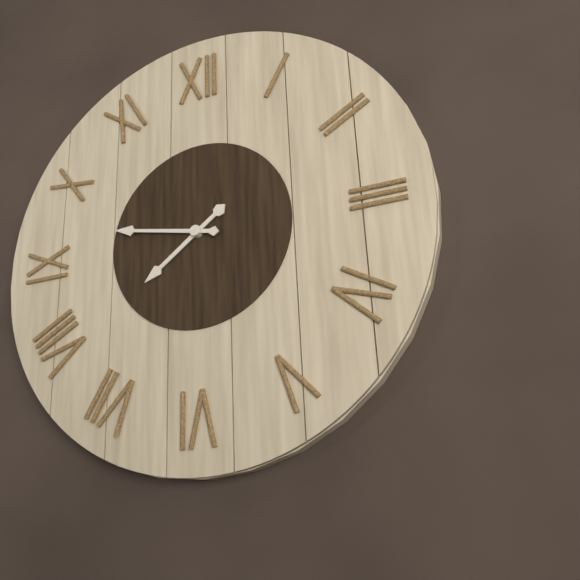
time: 7.47
